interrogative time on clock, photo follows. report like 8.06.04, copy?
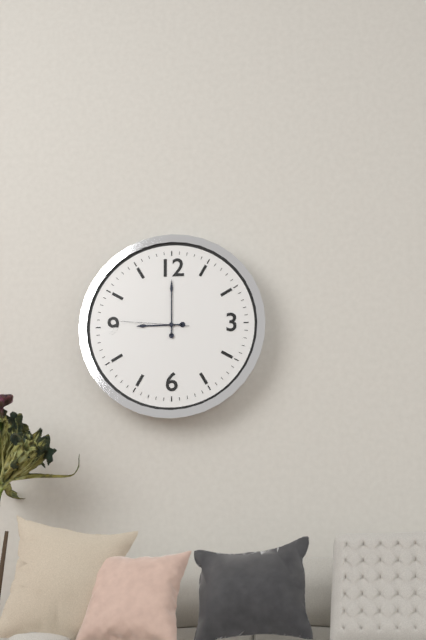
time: 9.00.46
